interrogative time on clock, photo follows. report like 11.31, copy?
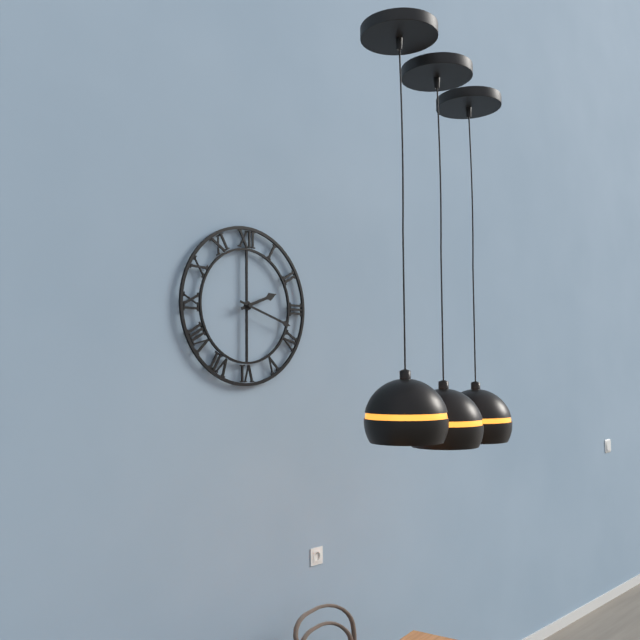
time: 2.18
